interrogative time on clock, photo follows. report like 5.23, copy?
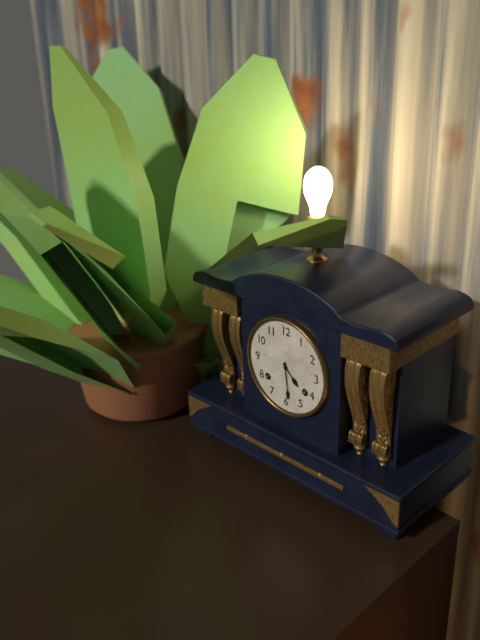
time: 4.29
